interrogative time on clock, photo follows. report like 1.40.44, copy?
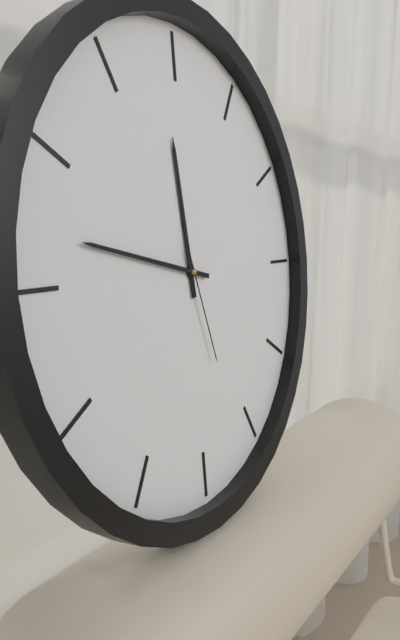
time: 11.47.27
